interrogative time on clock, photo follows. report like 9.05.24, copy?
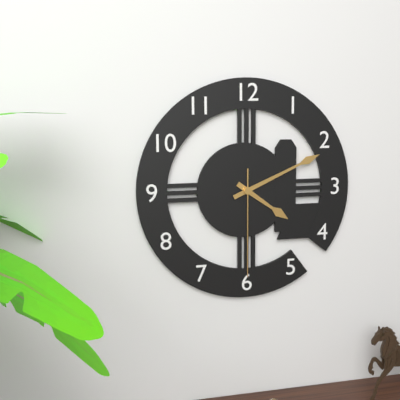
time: 4.11.30
